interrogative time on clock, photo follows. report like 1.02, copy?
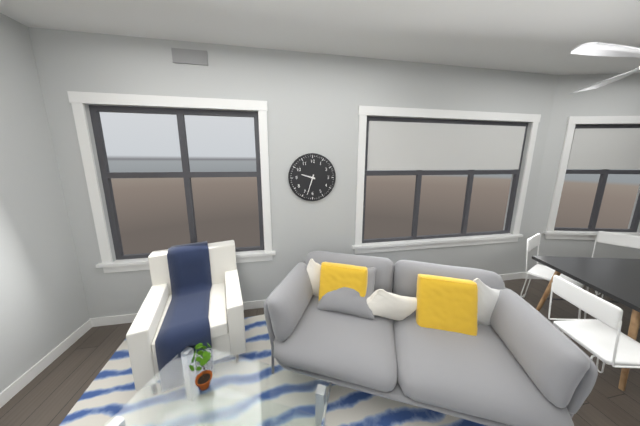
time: 9.33
